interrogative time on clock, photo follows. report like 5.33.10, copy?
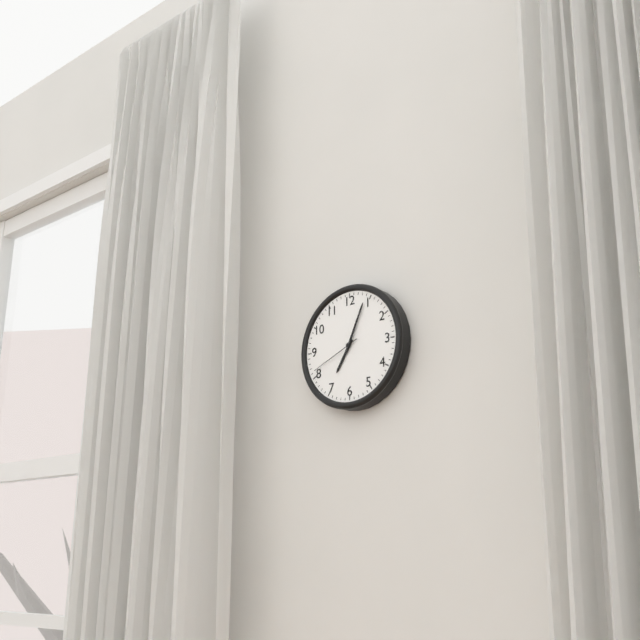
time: 7.04.41
